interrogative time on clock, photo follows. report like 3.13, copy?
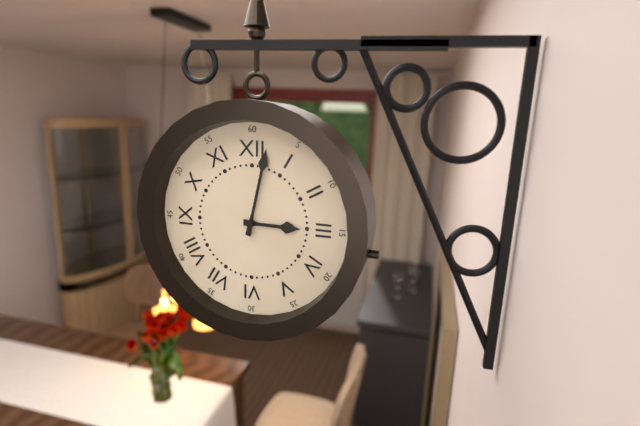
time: 3.02
